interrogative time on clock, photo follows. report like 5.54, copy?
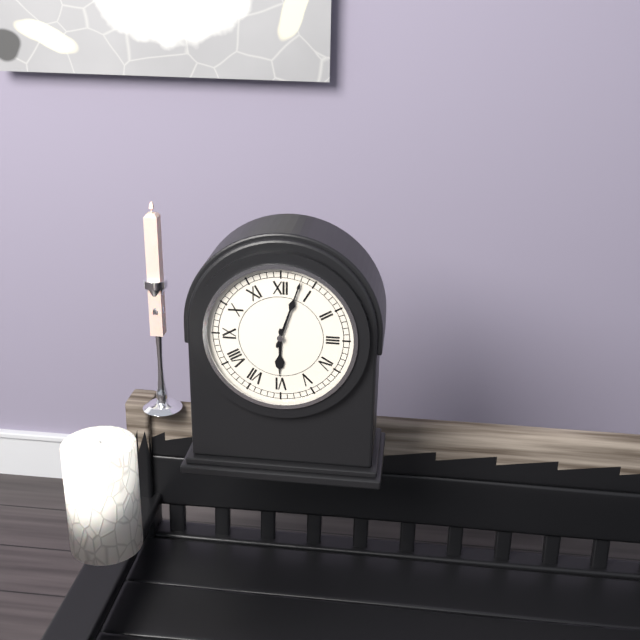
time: 6.03
